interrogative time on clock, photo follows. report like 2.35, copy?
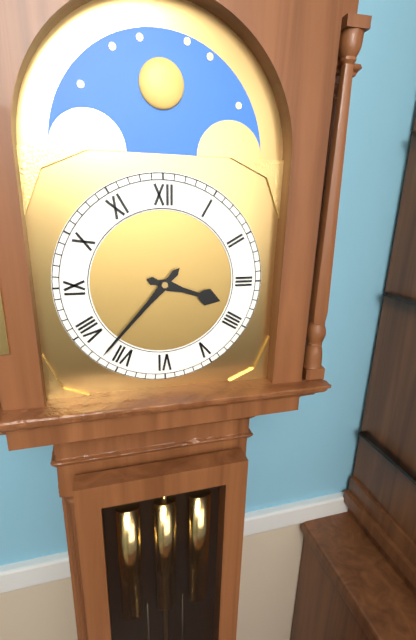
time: 3.37
